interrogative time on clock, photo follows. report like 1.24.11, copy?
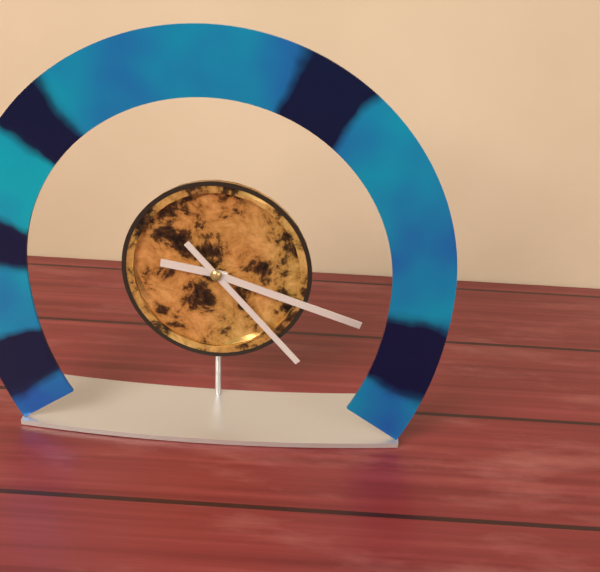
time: 9.18.23
